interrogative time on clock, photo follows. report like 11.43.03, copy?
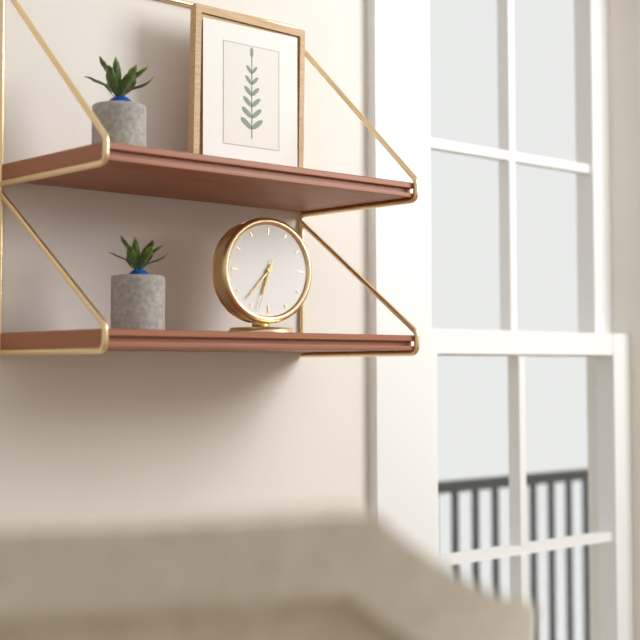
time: 6.37.33
